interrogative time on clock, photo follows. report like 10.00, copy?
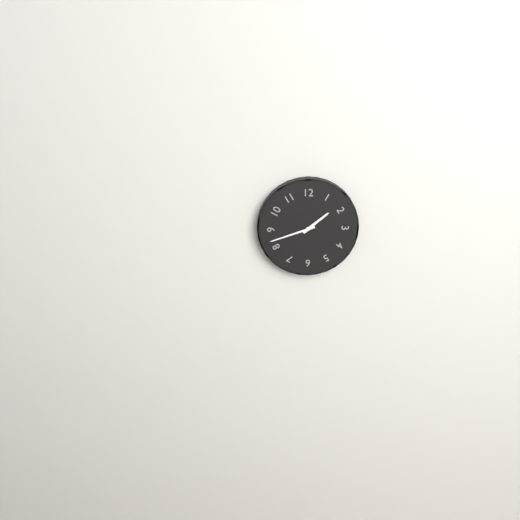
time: 1.42
